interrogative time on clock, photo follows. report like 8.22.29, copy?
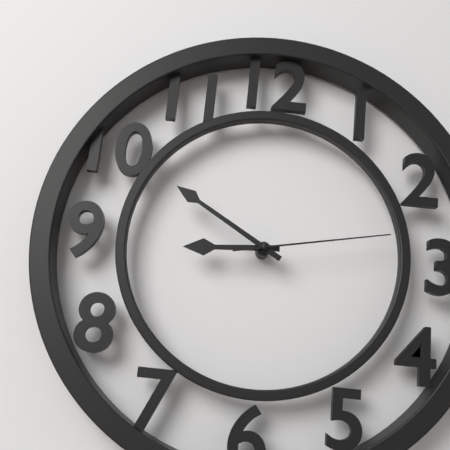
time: 8.50.13
